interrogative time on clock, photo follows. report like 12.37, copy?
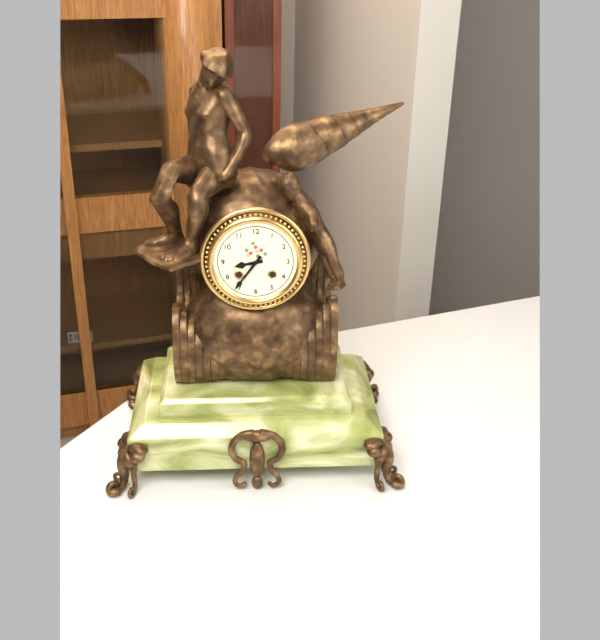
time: 8.36
